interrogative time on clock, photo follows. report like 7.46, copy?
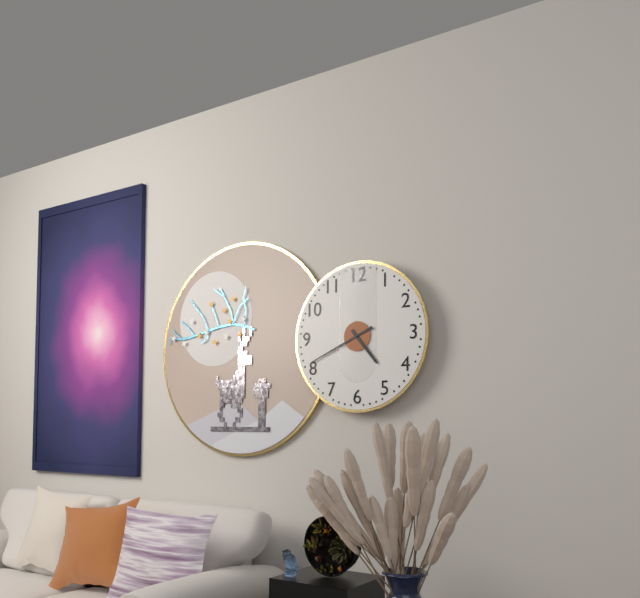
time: 4.41
